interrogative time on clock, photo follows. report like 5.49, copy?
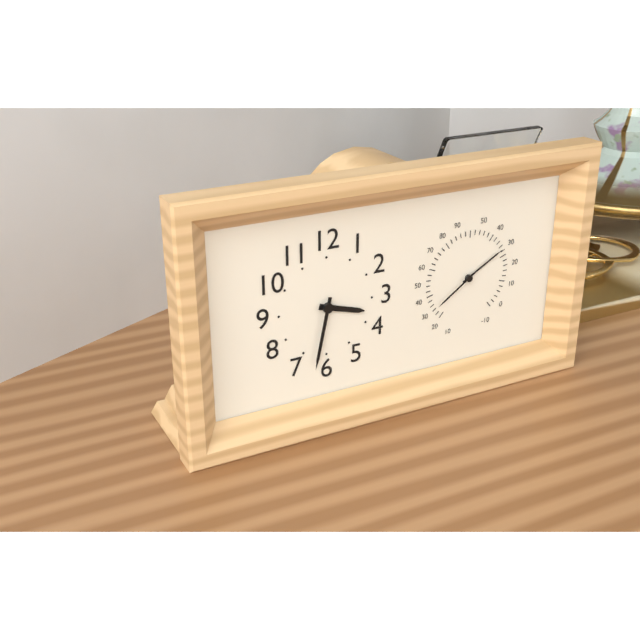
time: 3.32
